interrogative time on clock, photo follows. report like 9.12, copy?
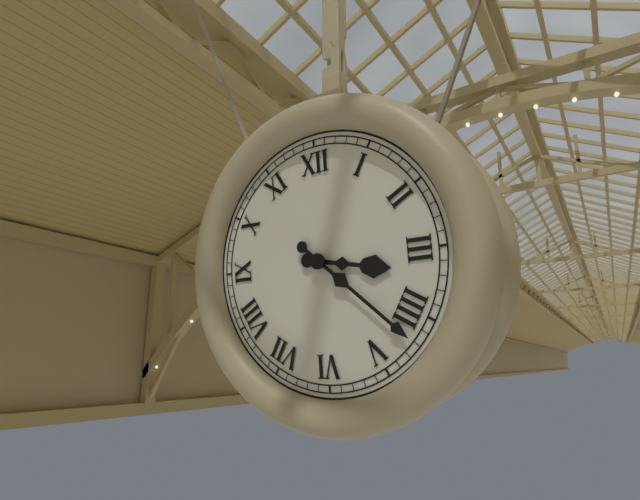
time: 3.22
